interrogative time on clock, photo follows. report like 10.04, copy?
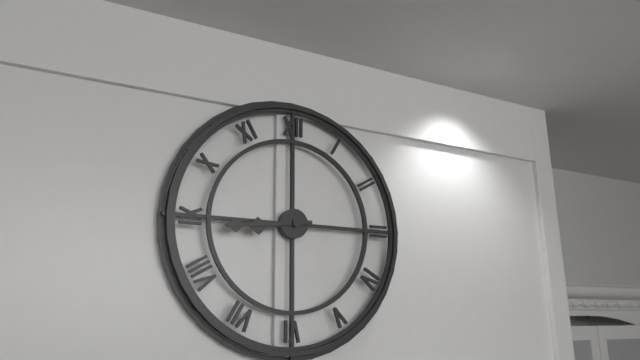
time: 8.44
